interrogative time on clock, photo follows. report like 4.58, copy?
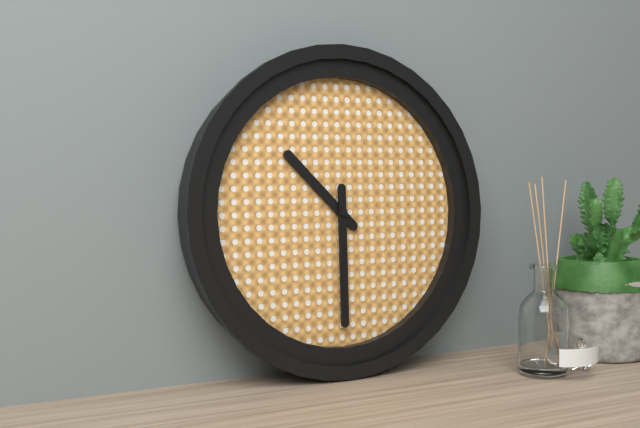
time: 10.30
